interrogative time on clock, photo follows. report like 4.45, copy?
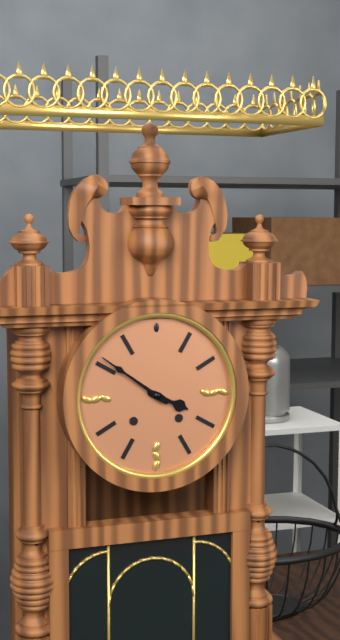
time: 3.51
